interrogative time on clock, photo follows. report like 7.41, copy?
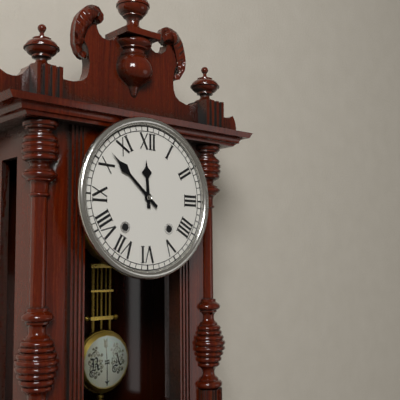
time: 11.52
